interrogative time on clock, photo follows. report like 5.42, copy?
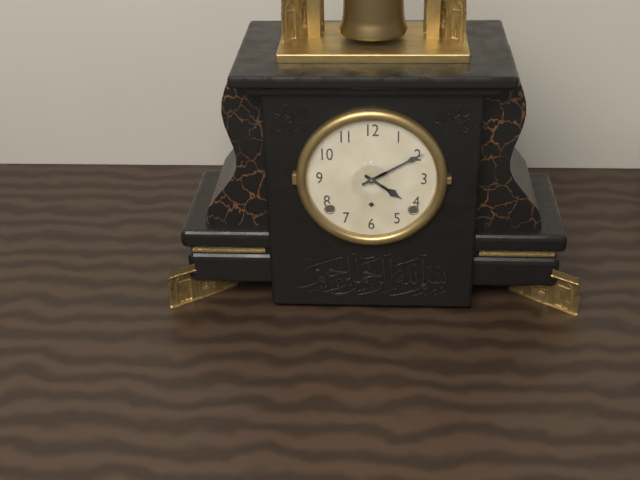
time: 4.10
